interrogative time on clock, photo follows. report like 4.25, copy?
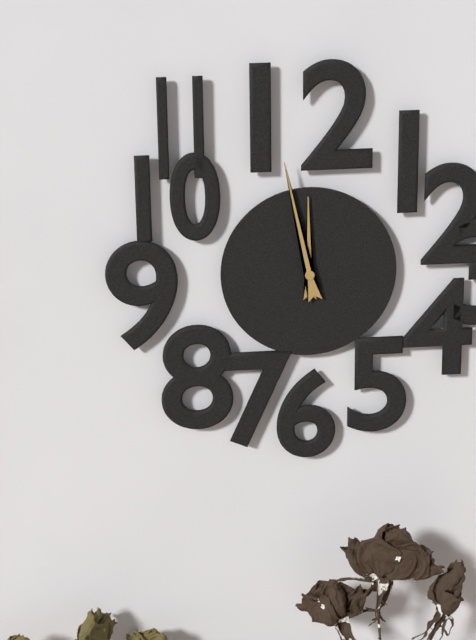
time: 11.58
